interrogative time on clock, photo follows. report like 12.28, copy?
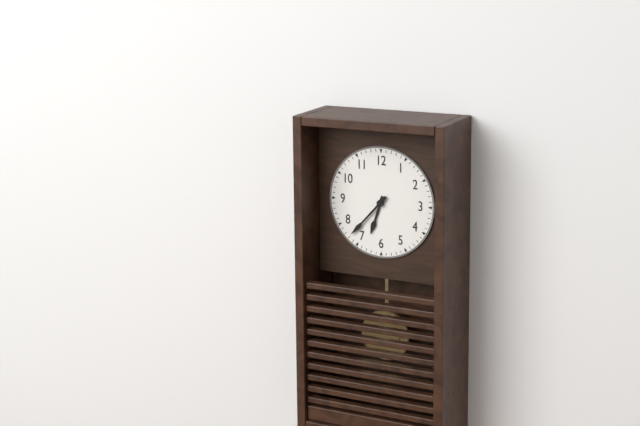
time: 6.37
